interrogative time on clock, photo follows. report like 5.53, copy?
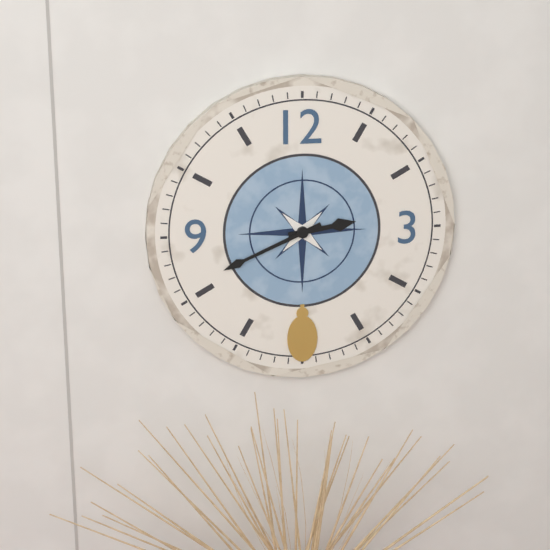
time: 2.41
